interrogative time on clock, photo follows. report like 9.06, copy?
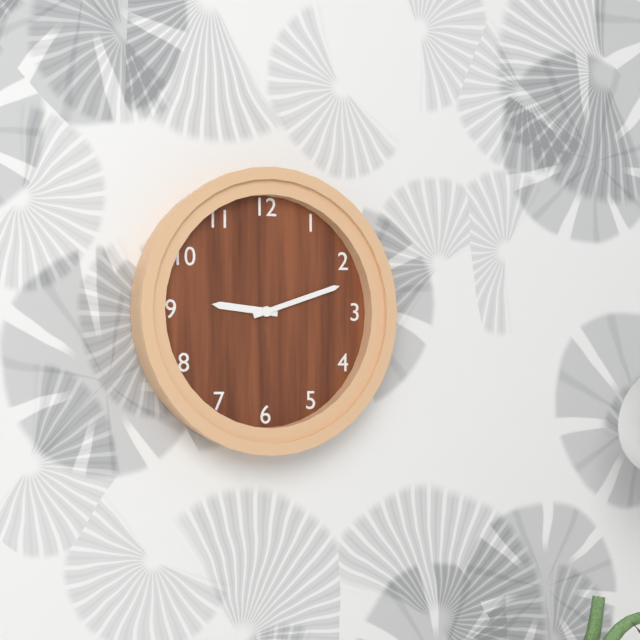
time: 9.12
